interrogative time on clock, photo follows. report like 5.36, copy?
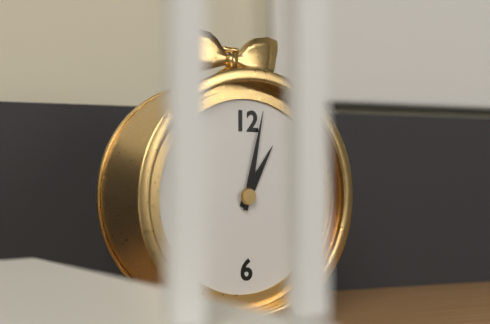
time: 1.02
